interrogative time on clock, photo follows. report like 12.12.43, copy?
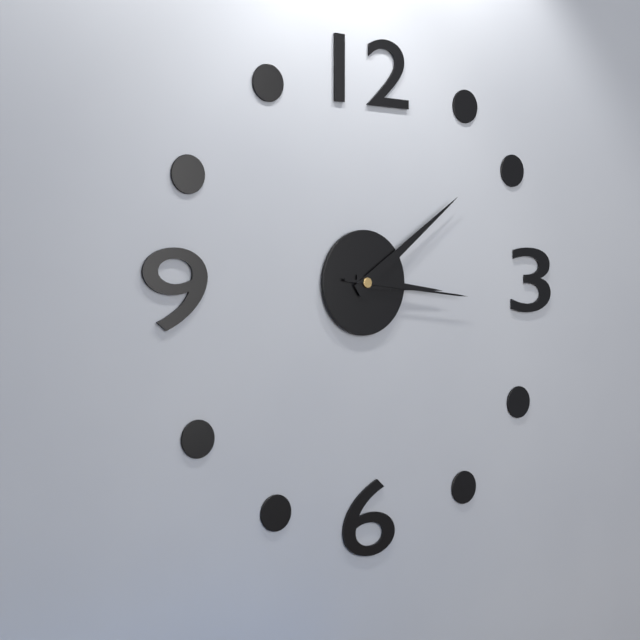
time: 3.09.16
